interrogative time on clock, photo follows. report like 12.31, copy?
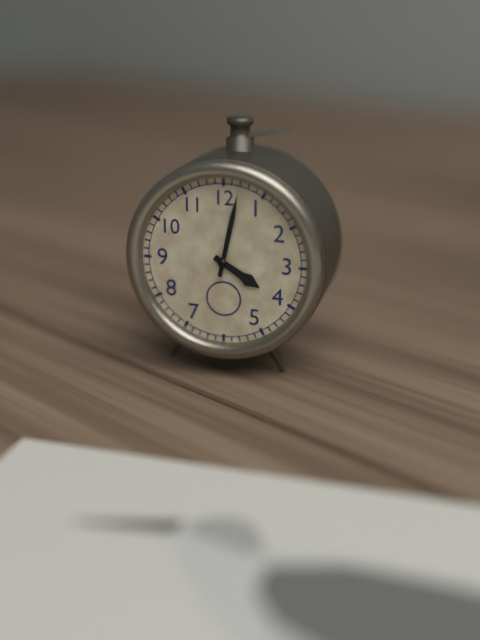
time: 4.02
